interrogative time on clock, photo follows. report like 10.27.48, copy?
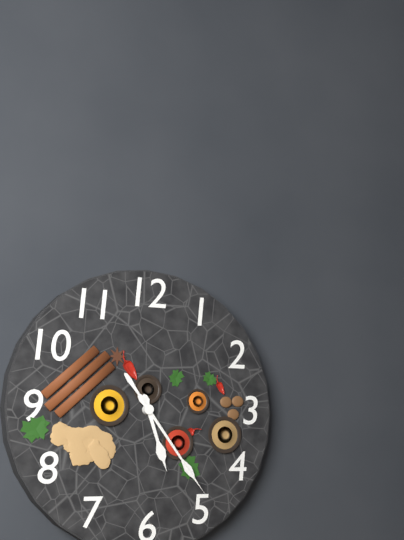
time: 5.24.24
